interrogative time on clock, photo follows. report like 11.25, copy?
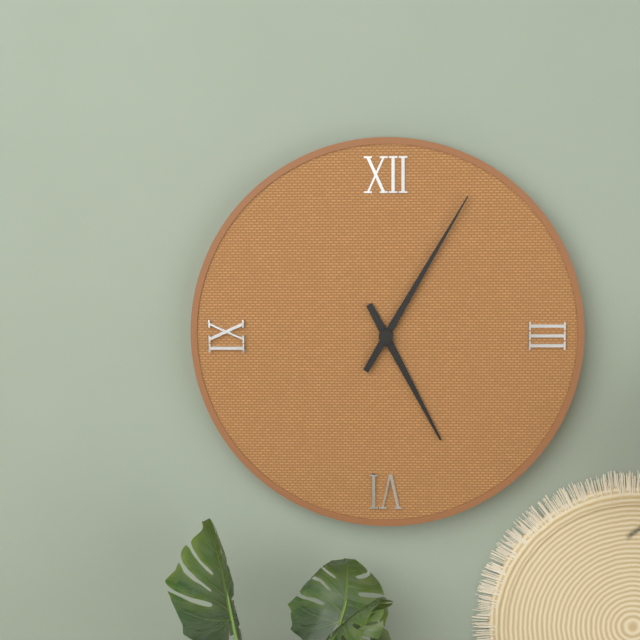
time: 5.05
